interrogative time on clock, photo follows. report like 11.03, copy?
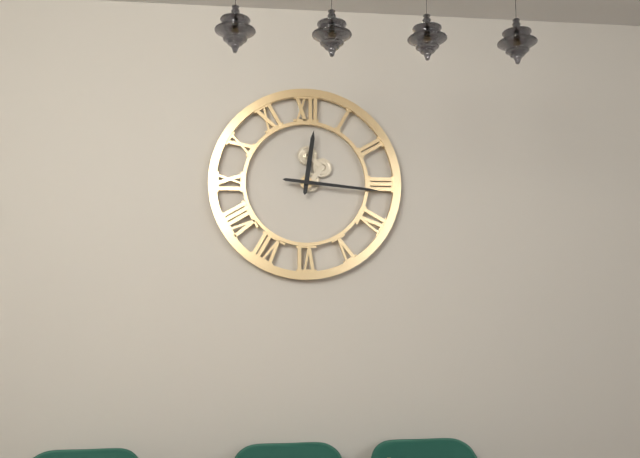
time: 12.16
